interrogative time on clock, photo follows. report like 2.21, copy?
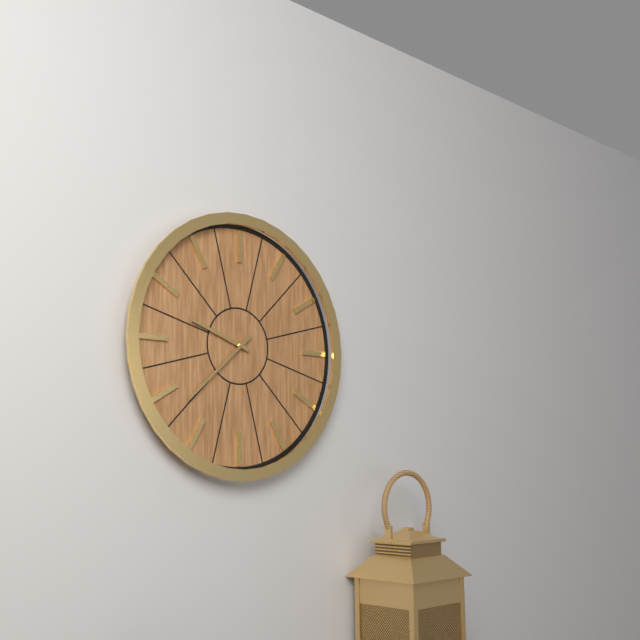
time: 9.38
